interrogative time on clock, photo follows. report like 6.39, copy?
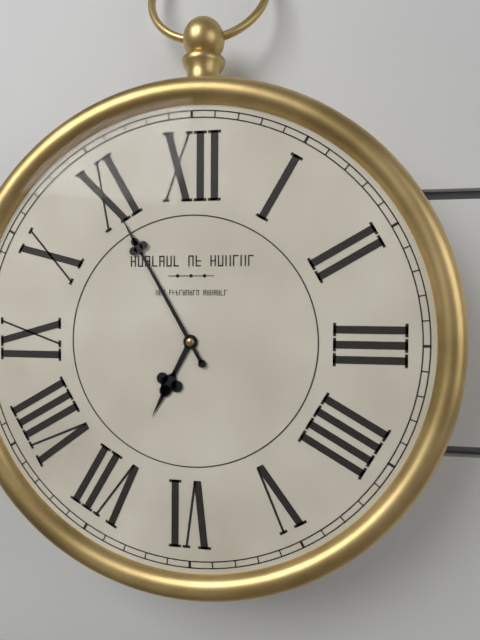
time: 6.55
